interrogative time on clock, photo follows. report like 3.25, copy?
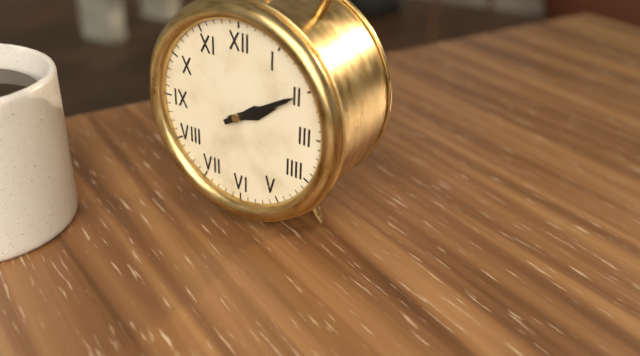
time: 2.10
